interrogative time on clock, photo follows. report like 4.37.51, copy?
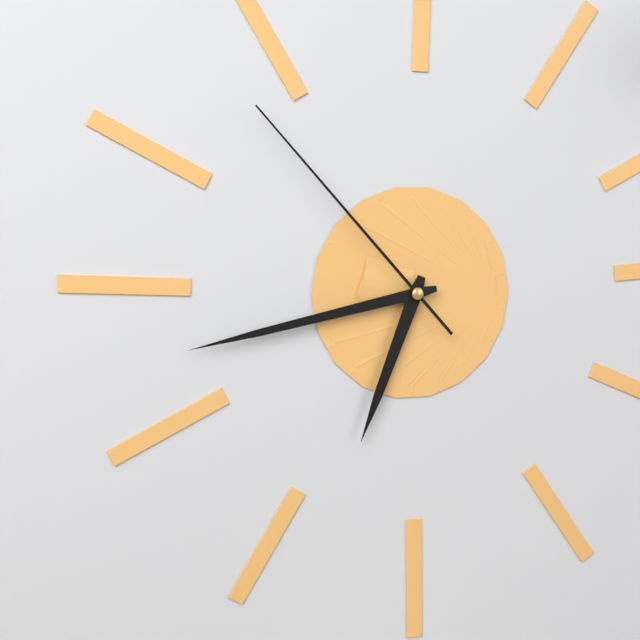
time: 6.43.53
